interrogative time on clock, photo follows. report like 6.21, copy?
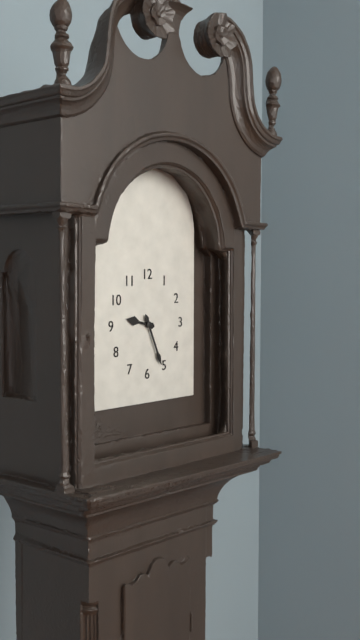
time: 9.26
